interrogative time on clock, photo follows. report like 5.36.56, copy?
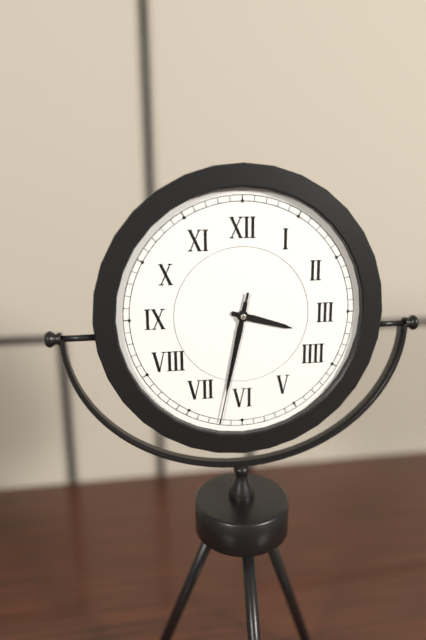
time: 3.32.32
